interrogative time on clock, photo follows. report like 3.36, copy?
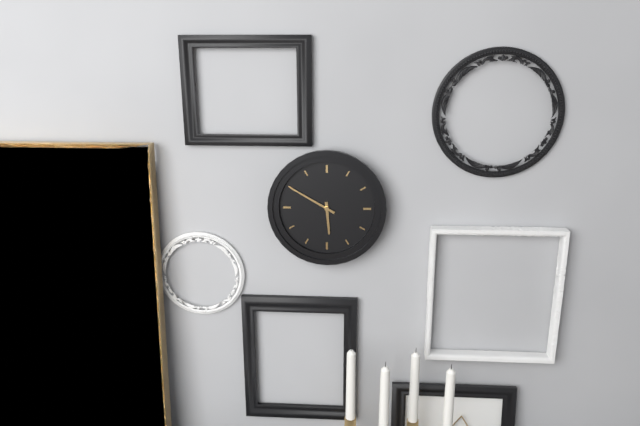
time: 5.50
